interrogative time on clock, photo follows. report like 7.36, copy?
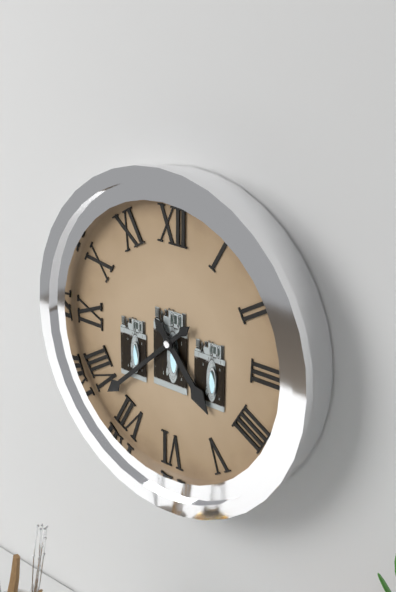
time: 4.38
